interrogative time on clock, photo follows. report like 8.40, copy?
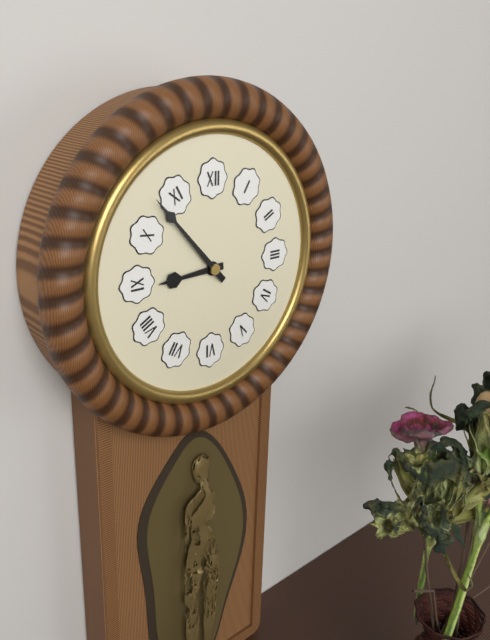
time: 8.53
